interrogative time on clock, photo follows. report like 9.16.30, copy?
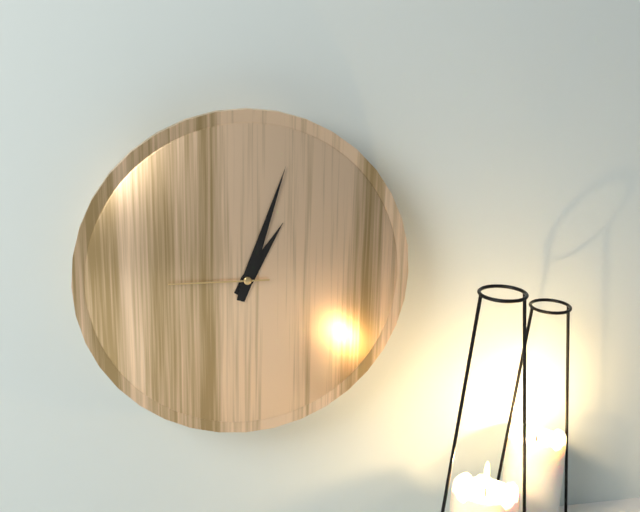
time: 1.03.45
